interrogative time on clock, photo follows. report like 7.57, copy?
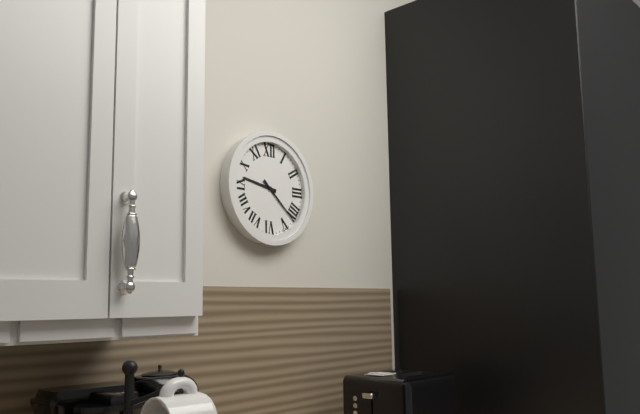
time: 9.22
